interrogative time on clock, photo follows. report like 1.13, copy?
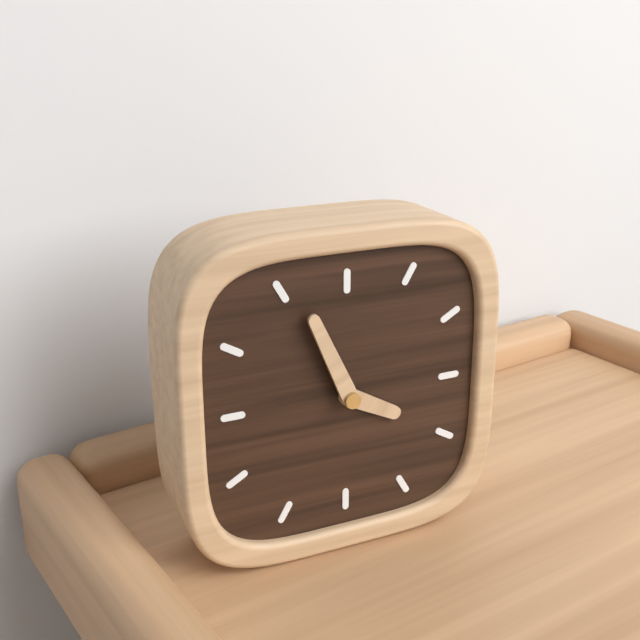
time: 3.56
